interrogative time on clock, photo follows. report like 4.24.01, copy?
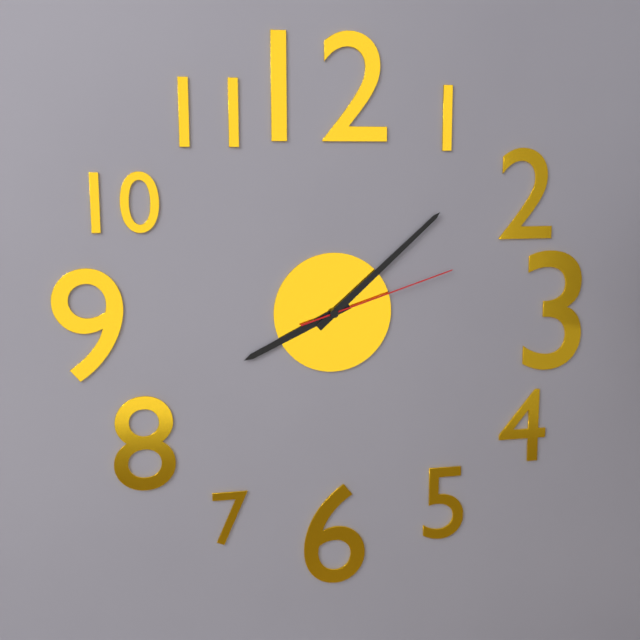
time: 8.08.12
